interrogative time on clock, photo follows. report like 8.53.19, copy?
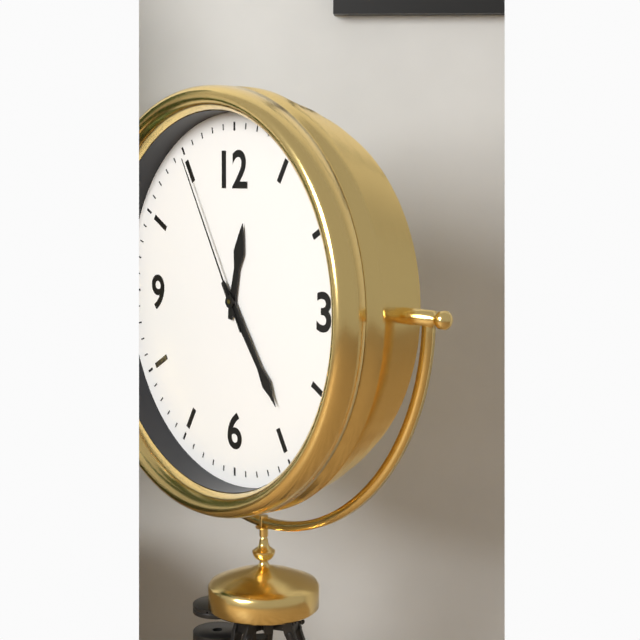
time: 12.24.55
